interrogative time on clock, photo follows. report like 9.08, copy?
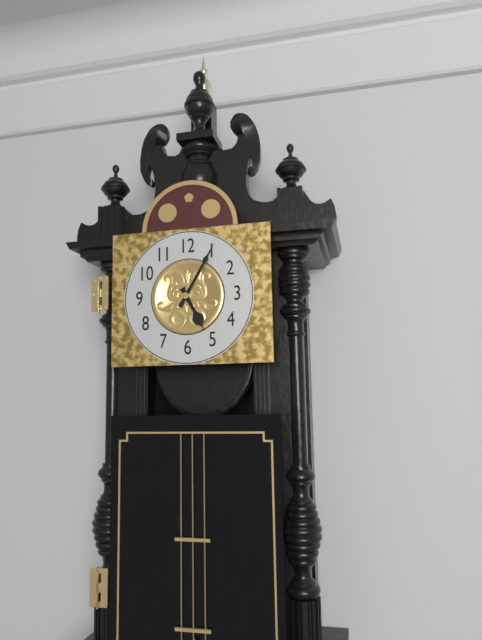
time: 5.05
